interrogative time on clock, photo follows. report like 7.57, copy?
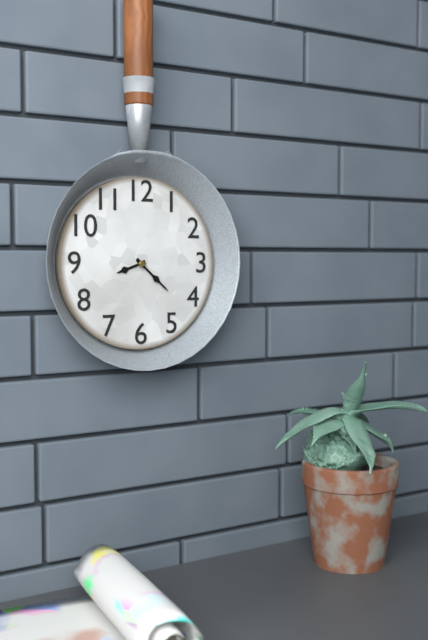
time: 8.22
